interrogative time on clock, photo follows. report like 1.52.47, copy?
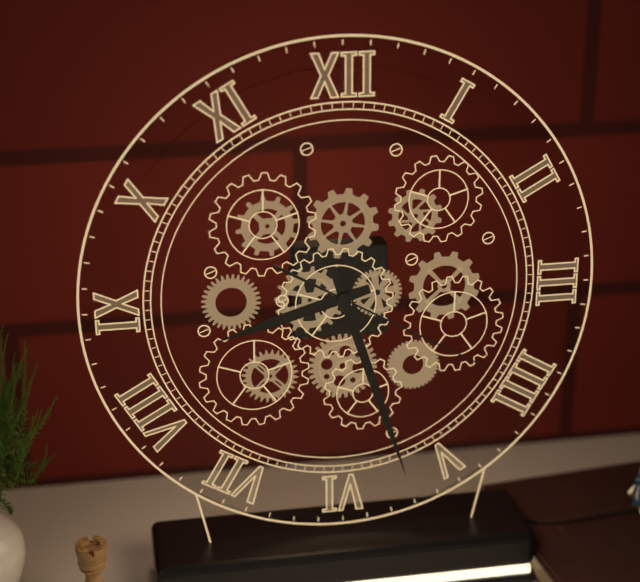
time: 8.27.20
